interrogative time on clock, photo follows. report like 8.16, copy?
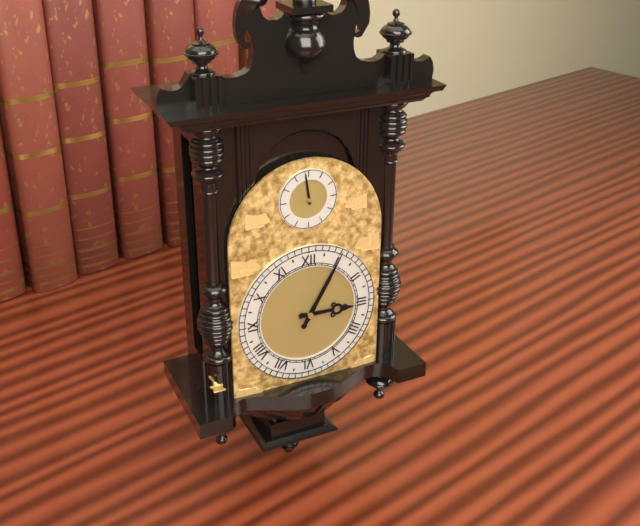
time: 3.05
